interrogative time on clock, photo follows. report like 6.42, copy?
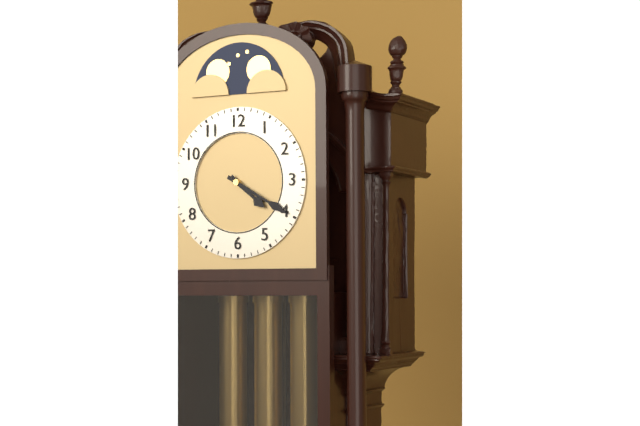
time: 4.20
